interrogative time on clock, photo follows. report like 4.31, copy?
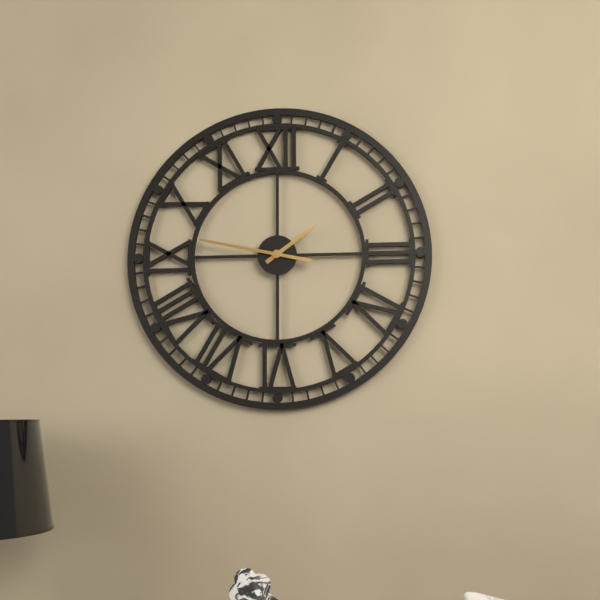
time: 1.47
